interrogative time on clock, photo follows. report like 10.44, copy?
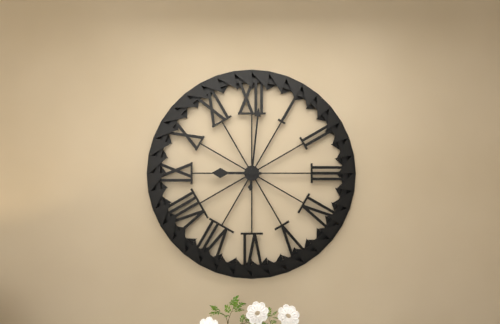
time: 9.01
